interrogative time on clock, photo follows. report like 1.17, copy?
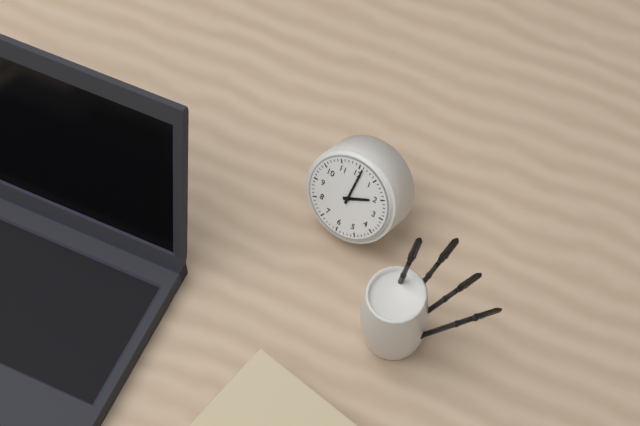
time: 2.01
